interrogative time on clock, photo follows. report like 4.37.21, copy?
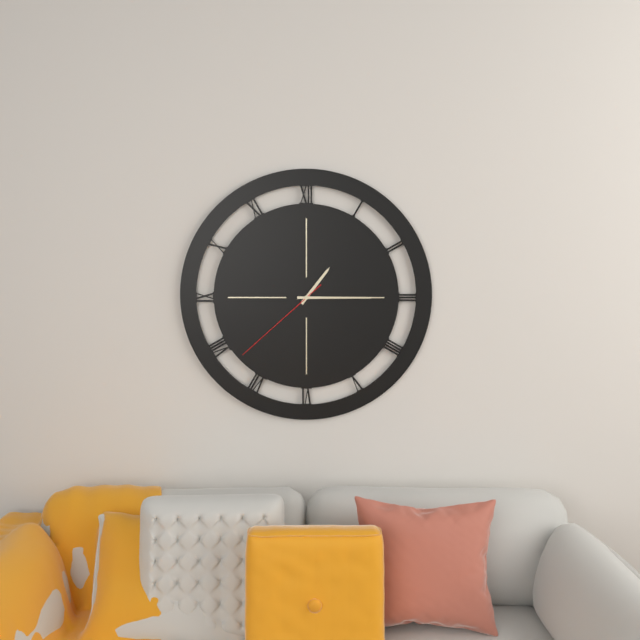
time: 1.15.38
